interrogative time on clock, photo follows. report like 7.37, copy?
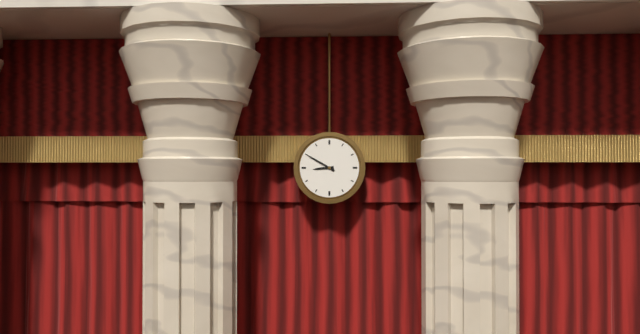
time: 8.50
